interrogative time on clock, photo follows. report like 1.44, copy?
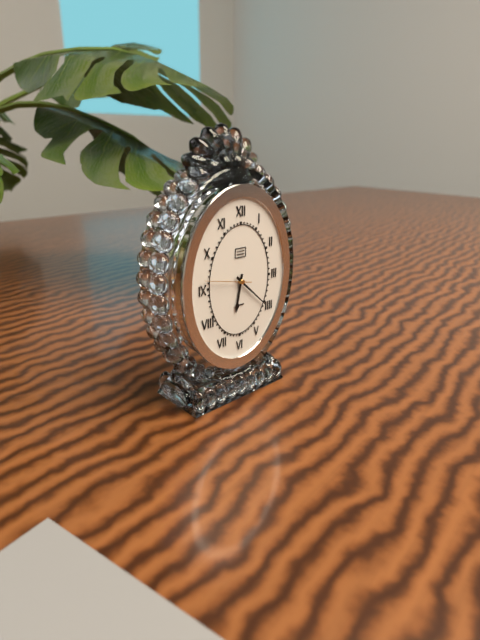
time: 6.22
